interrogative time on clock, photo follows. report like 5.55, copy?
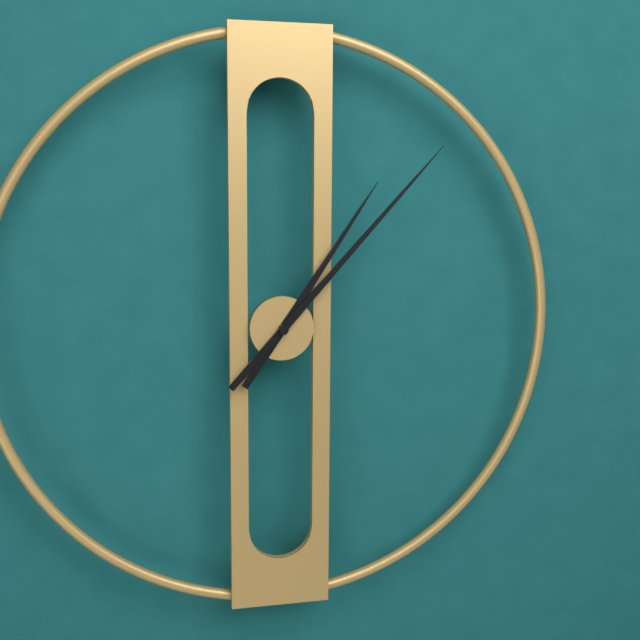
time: 1.07
